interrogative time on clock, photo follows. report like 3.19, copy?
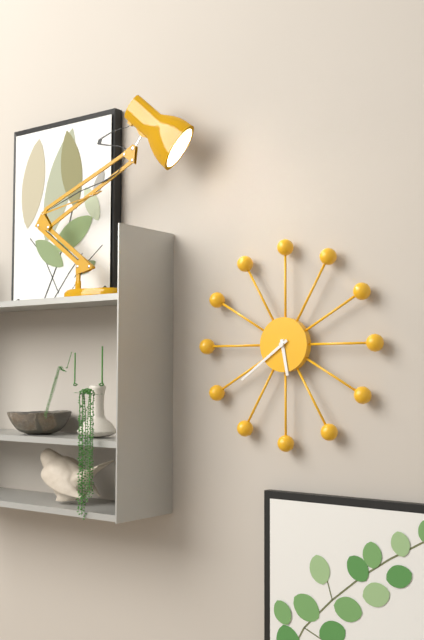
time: 5.39
